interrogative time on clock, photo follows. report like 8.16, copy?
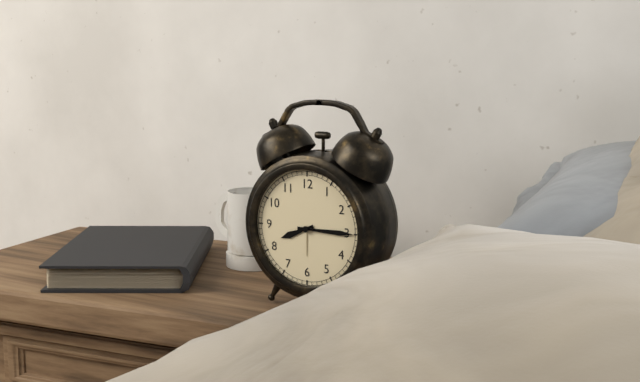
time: 8.15
